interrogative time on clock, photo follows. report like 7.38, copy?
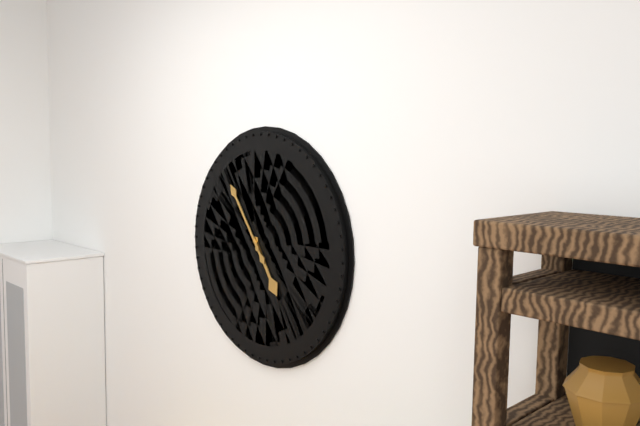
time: 4.54
